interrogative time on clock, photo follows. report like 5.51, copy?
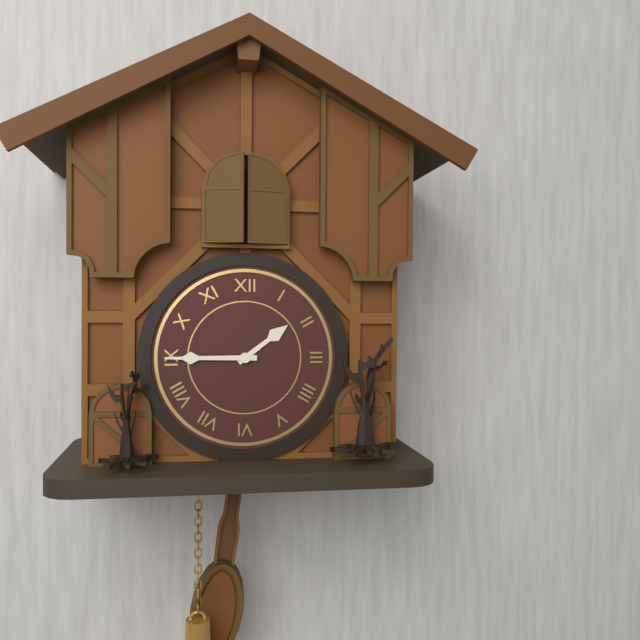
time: 1.45
